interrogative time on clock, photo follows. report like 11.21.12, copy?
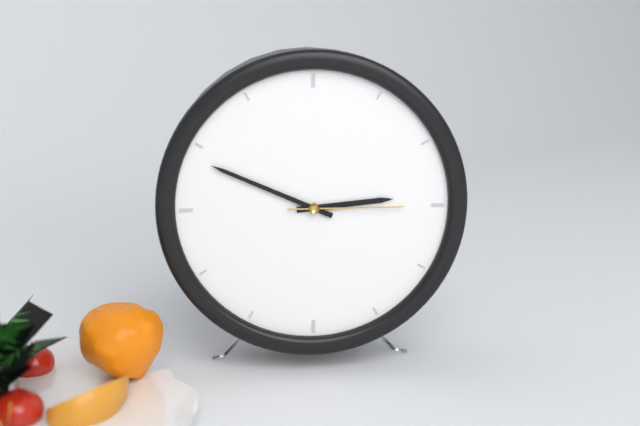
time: 2.49.15
